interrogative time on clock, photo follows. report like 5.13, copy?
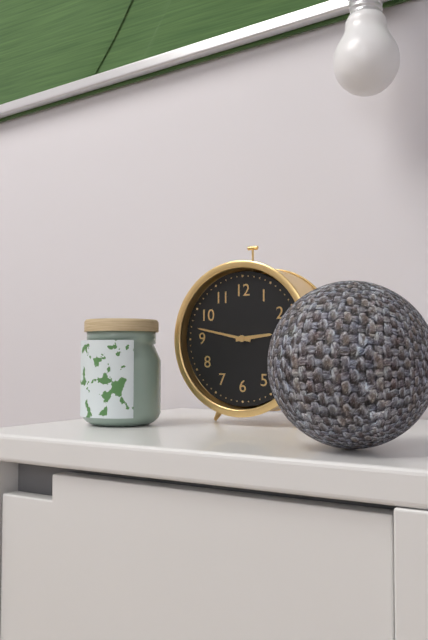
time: 2.47
